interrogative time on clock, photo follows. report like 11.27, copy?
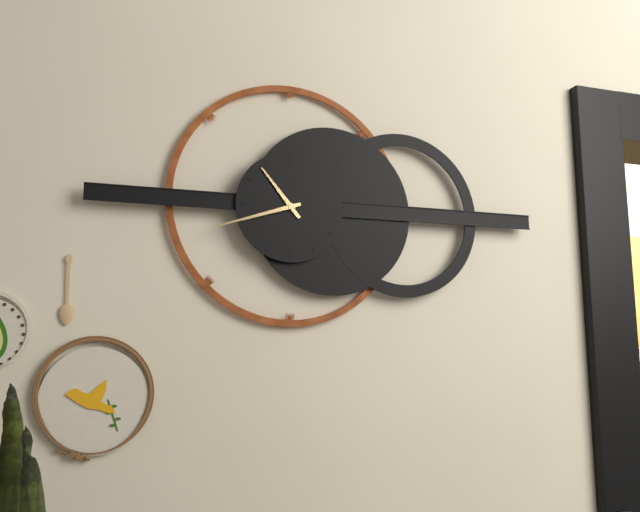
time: 10.42
